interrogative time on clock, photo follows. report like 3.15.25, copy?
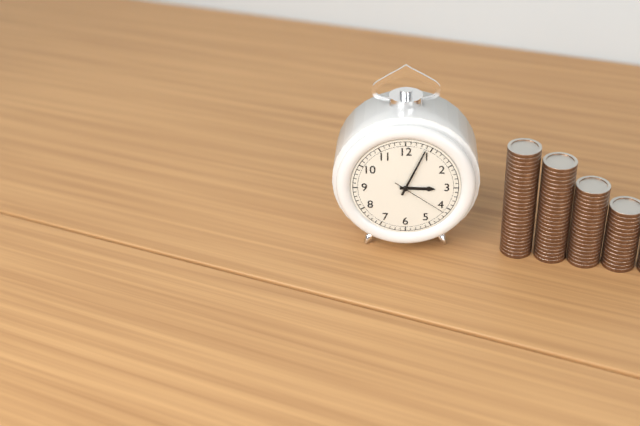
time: 3.04.21
